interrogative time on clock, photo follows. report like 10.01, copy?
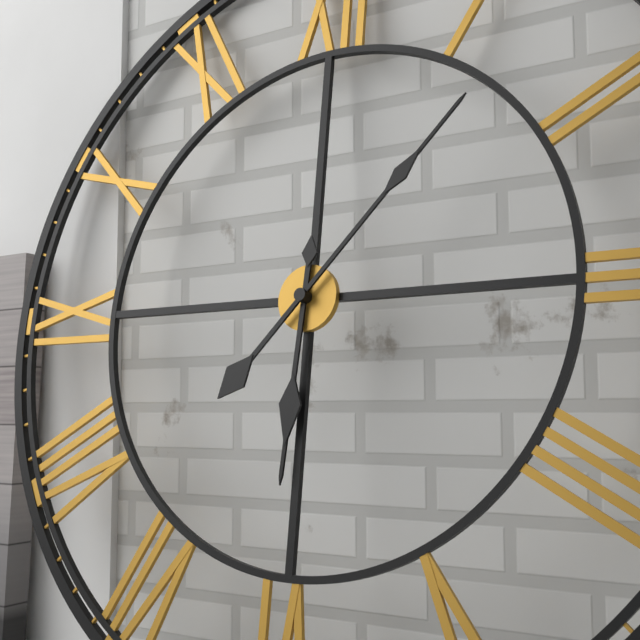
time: 6.07
